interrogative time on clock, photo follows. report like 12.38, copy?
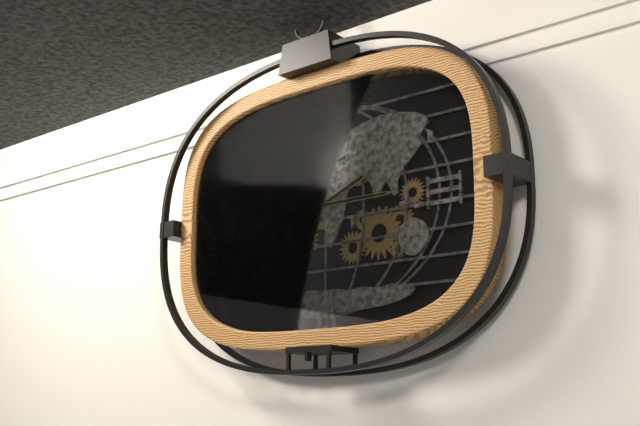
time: 2.15
